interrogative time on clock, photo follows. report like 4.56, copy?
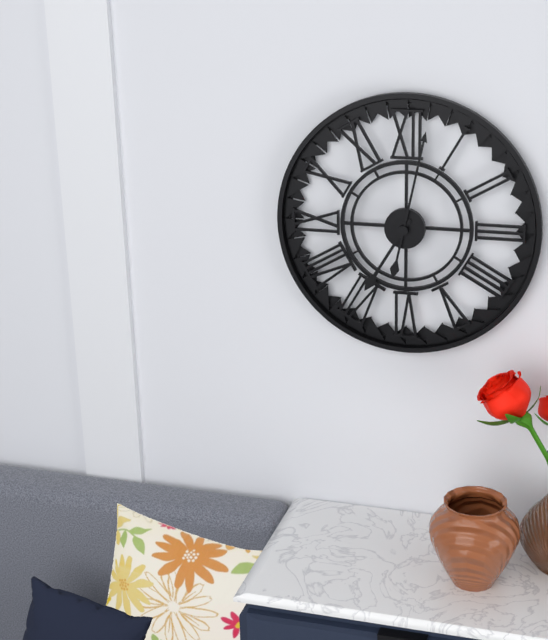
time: 7.02
